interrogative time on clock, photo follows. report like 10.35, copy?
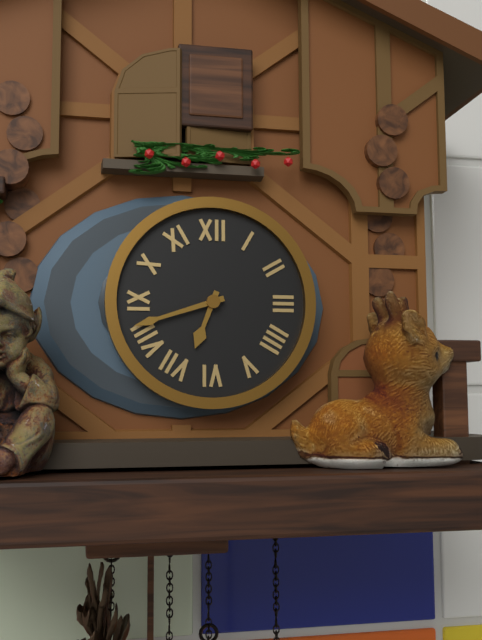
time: 6.42
